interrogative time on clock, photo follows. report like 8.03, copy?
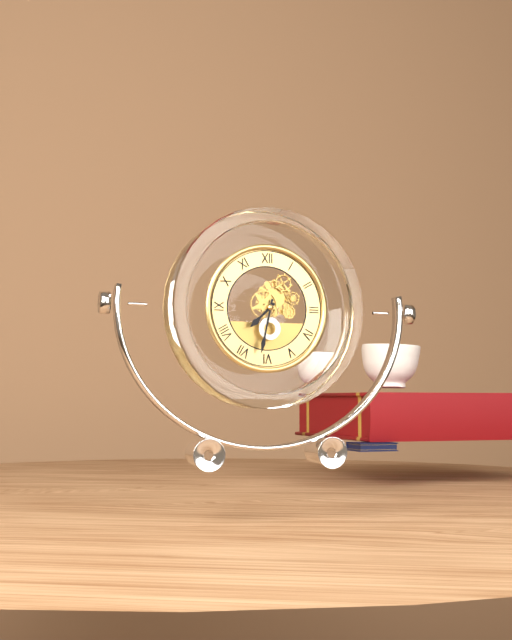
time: 7.32
